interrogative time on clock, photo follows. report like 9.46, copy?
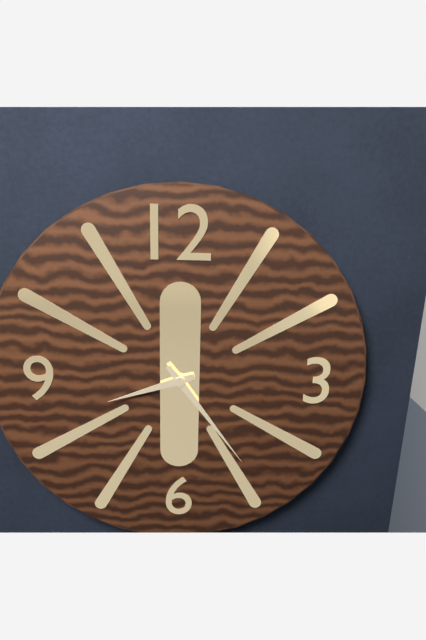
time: 8.24
